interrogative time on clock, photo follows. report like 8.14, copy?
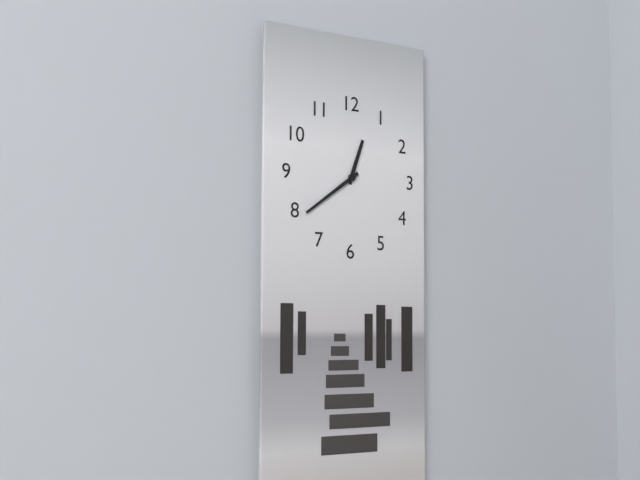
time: 12.39
